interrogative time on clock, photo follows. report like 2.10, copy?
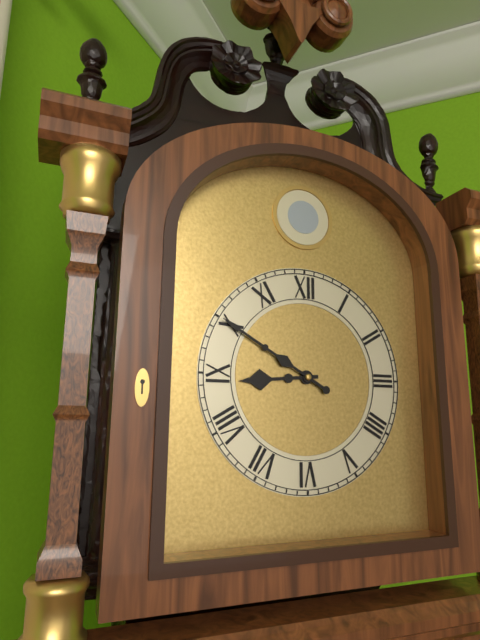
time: 8.50
